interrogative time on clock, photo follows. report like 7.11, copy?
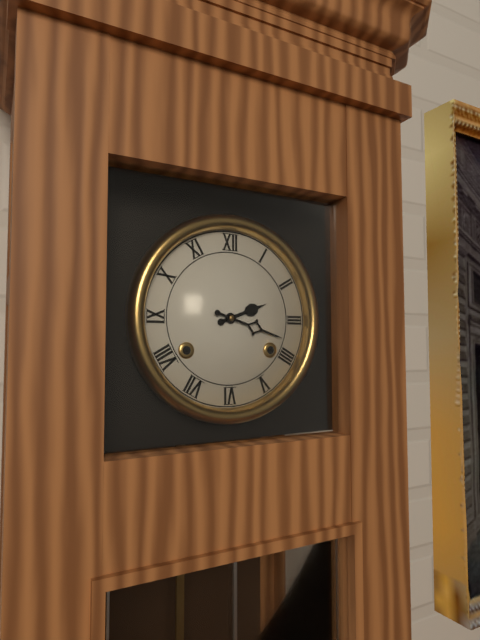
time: 2.18
